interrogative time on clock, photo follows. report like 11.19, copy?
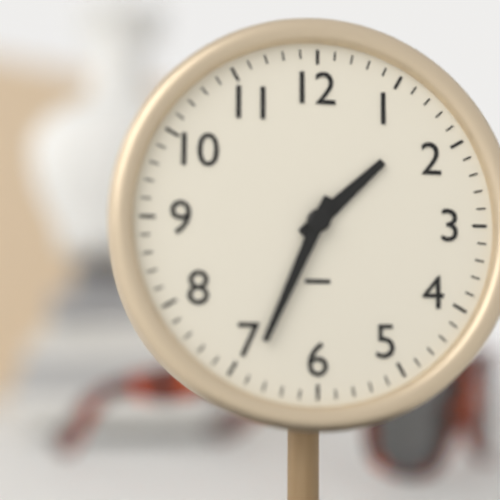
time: 1.34
